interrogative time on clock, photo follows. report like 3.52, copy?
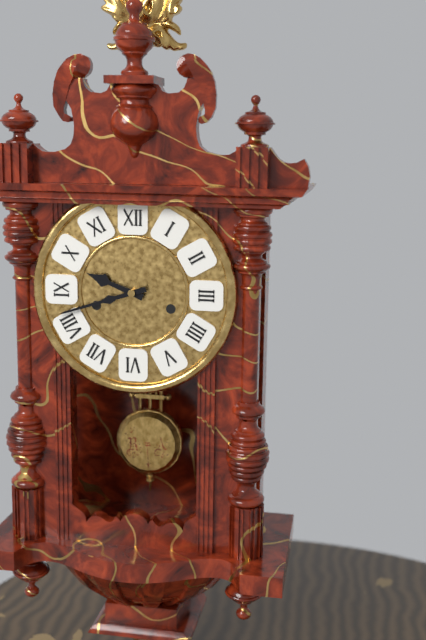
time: 9.42
